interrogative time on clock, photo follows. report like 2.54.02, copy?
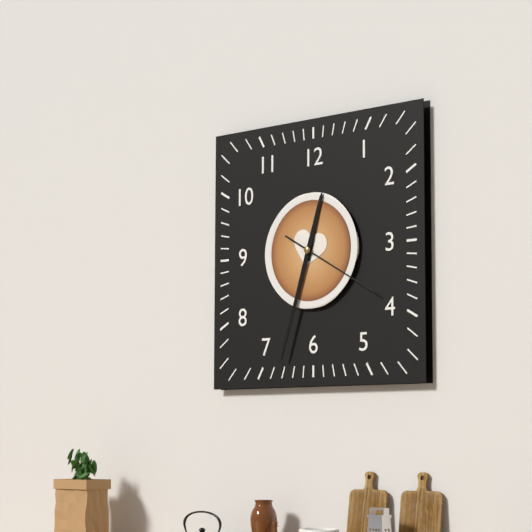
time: 12.33.20
